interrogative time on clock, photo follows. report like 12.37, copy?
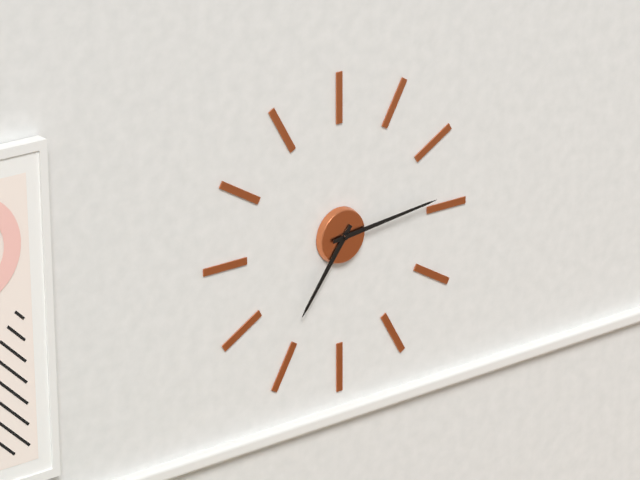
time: 7.14
